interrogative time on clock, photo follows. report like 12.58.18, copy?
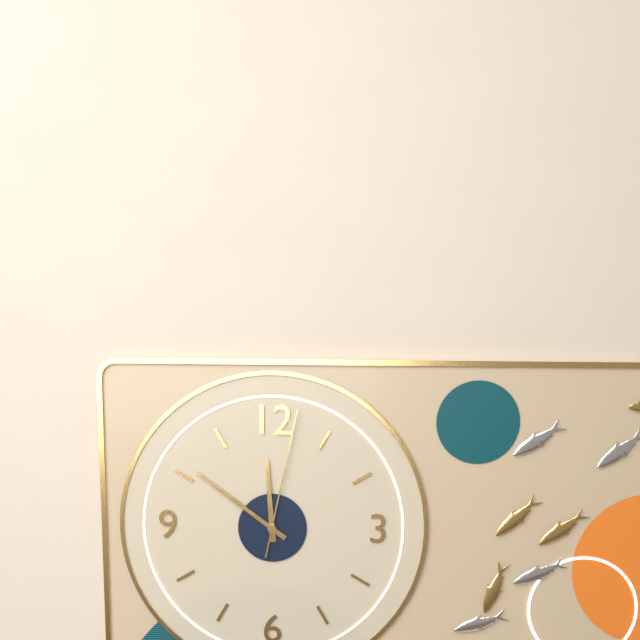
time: 11.51.02
